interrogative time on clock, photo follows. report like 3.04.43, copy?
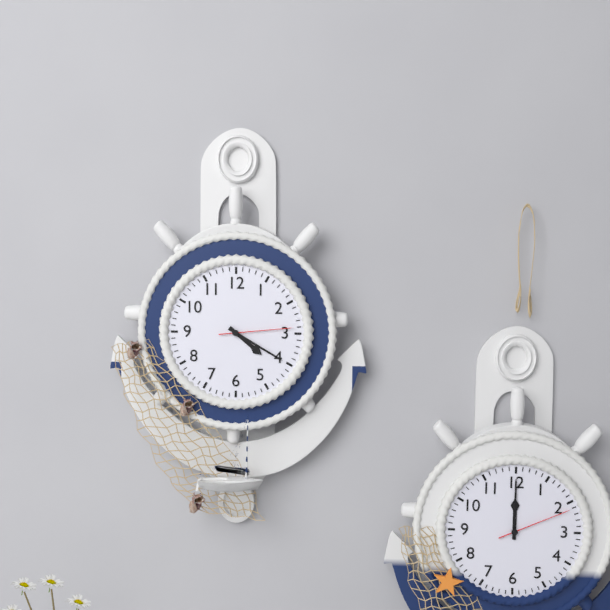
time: 4.20.14
